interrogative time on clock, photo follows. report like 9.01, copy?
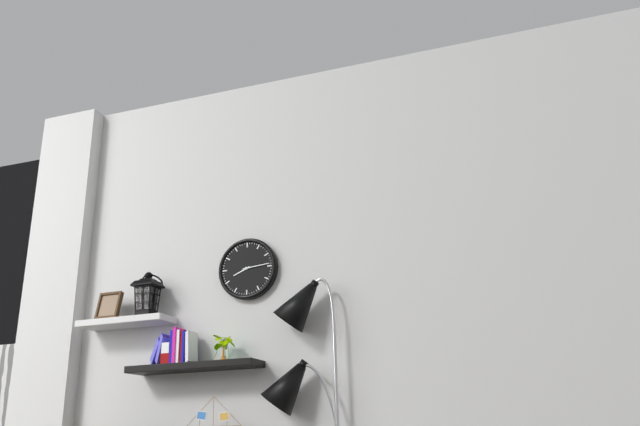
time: 8.14
